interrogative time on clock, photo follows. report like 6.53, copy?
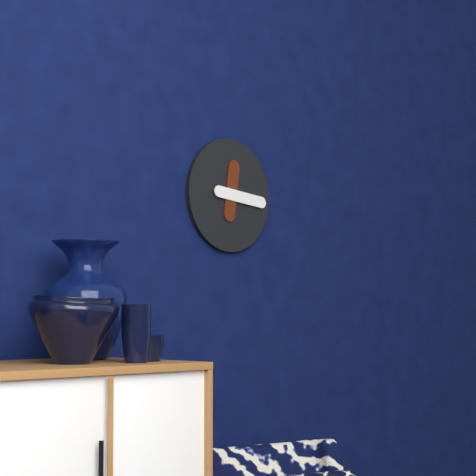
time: 12.16
